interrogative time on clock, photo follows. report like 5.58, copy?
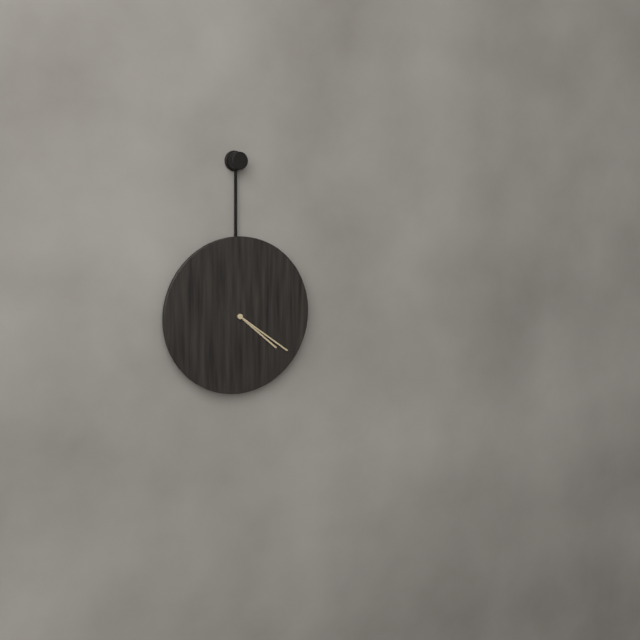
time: 4.21
